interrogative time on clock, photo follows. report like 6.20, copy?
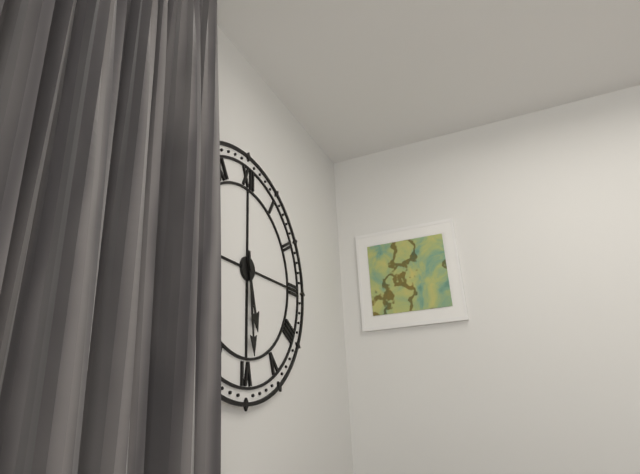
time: 5.29
